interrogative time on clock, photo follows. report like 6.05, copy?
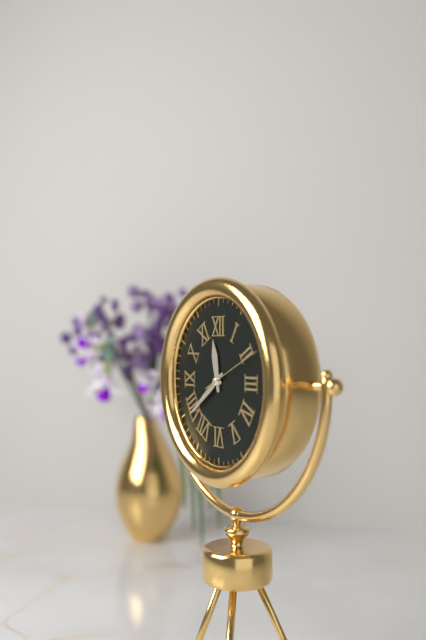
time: 11.39
